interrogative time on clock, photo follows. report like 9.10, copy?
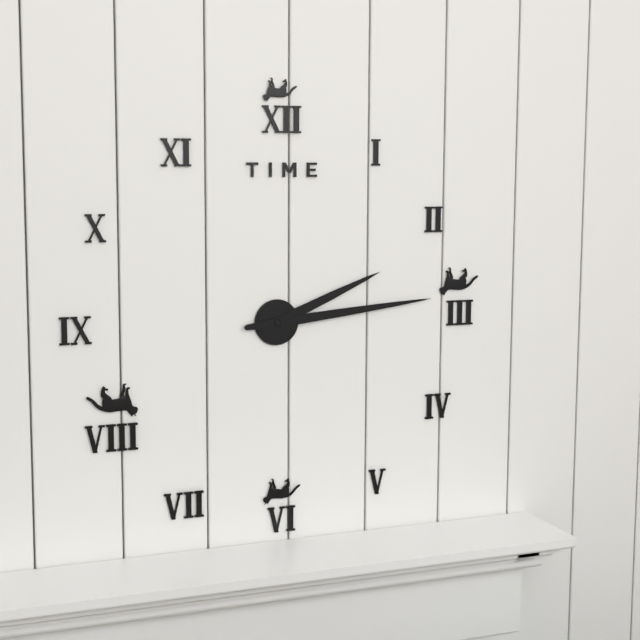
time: 2.14
